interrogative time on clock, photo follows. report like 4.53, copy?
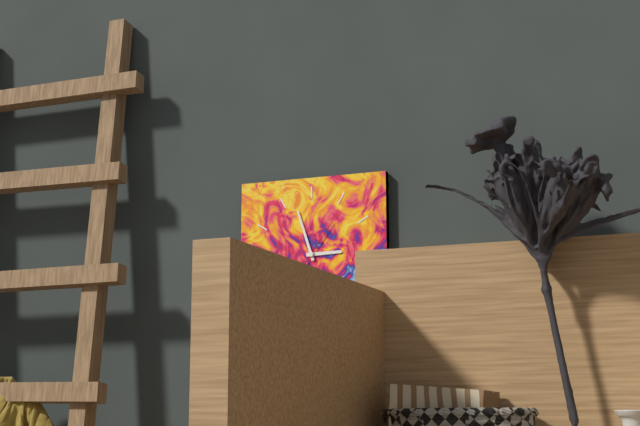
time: 2.57
